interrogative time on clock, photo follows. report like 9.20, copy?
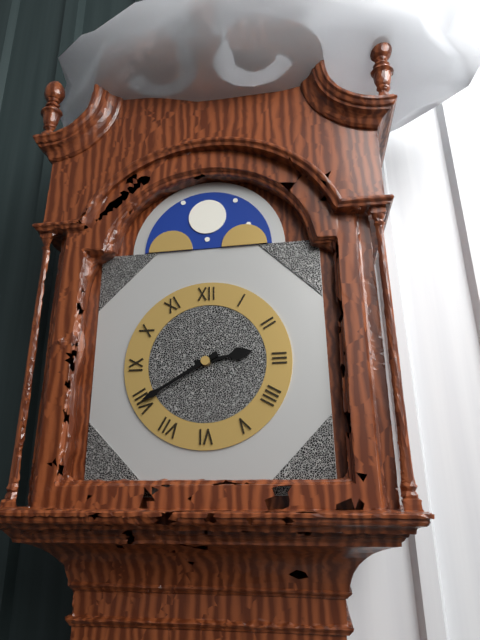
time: 2.40
